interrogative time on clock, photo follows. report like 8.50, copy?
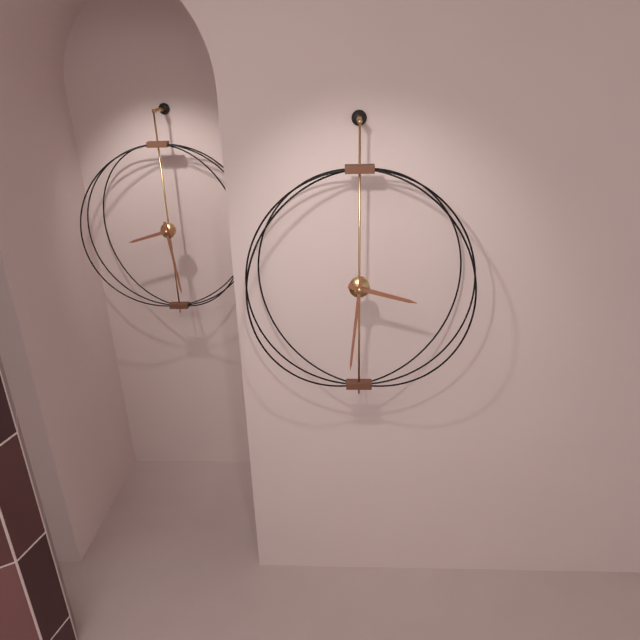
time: 3.31
